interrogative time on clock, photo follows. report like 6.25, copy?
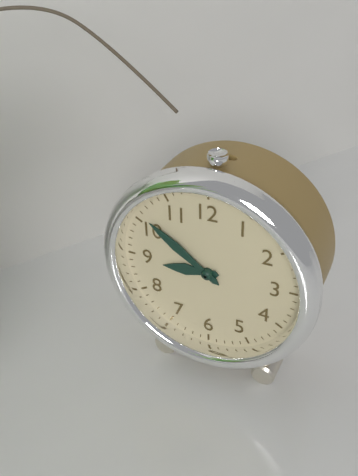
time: 8.51
